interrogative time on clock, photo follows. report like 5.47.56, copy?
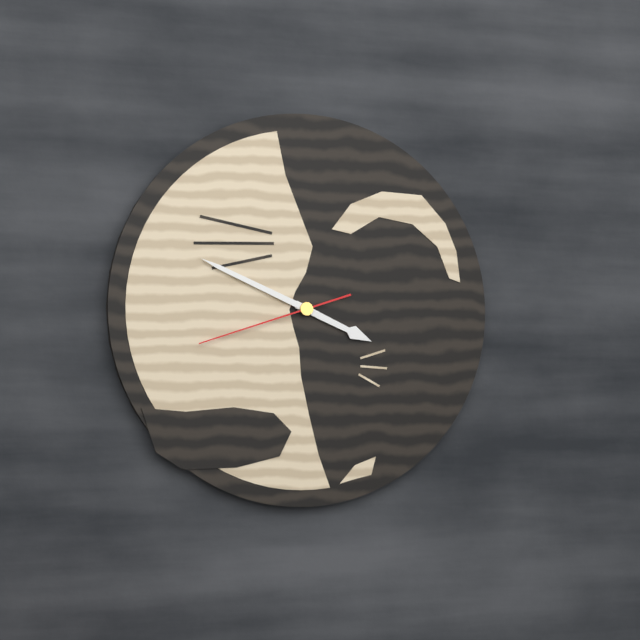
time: 3.49.42
